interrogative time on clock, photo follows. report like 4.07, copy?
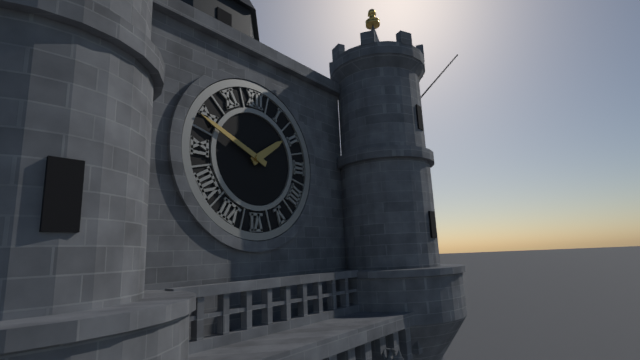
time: 1.49
